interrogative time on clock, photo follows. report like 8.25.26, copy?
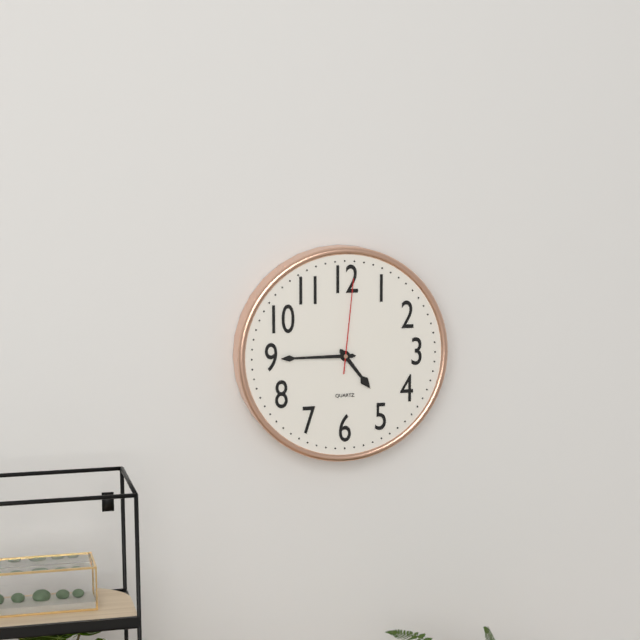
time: 4.45.01
